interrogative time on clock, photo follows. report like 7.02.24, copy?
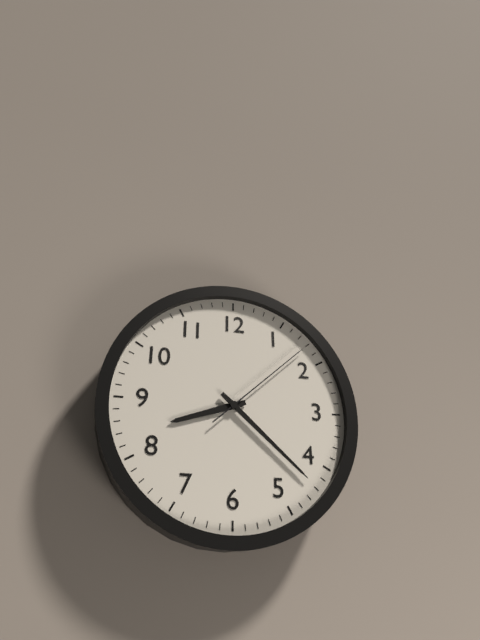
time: 8.22.08
